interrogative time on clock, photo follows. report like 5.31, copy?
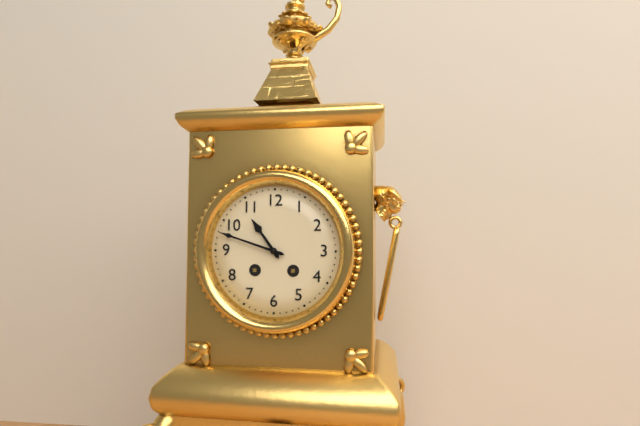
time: 10.48
